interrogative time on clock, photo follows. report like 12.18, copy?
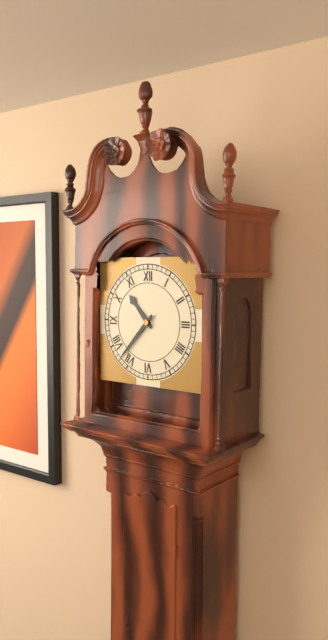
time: 10.37
